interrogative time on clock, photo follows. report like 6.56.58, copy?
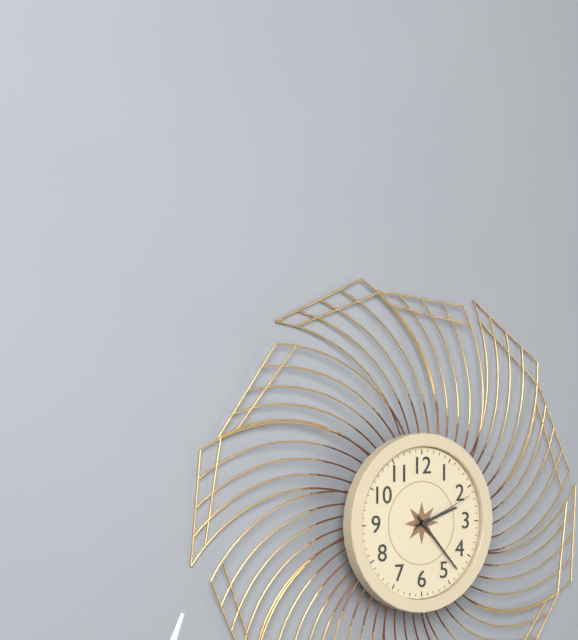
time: 2.23.11
